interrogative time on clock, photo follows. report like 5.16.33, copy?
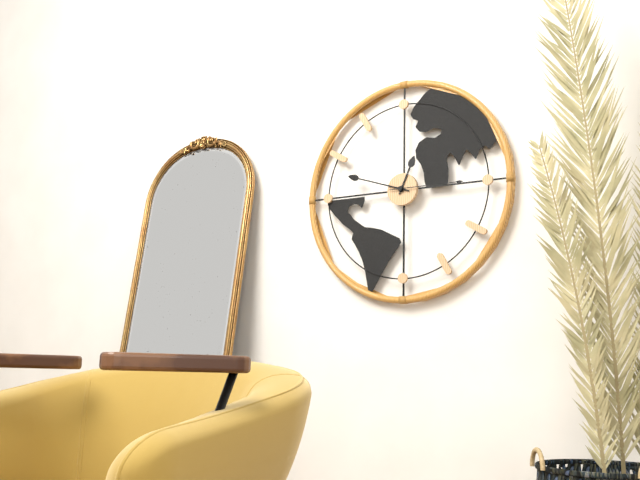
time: 12.48.15
